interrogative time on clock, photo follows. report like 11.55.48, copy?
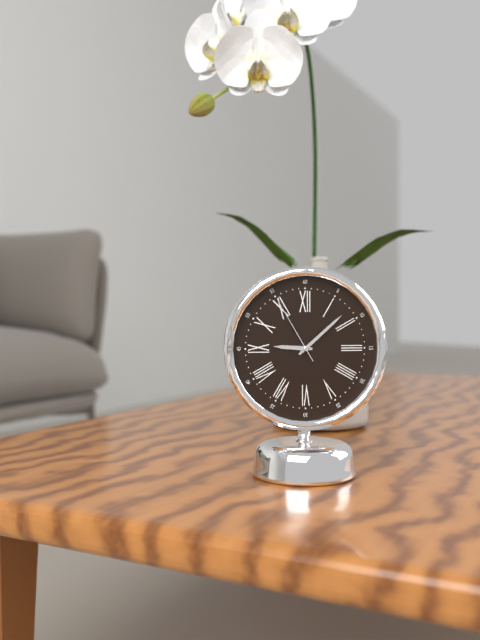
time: 9.08.55
